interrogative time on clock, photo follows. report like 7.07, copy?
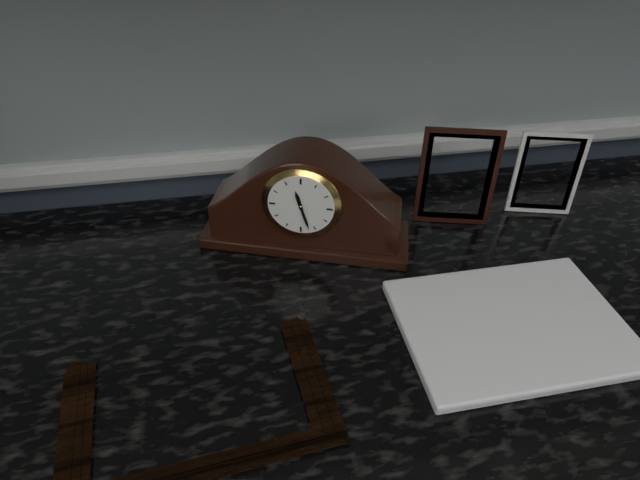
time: 11.27
